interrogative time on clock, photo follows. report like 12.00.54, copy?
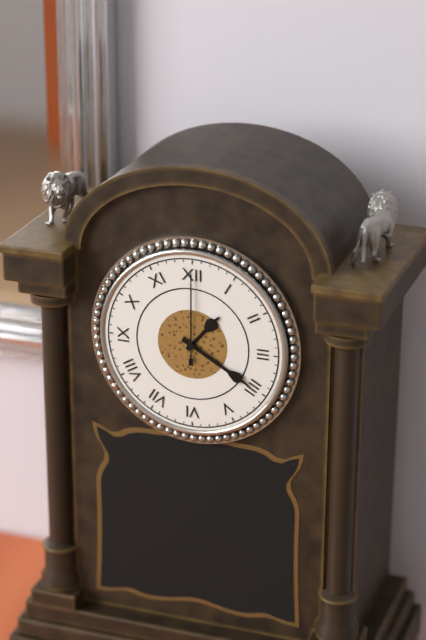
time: 1.20.00
